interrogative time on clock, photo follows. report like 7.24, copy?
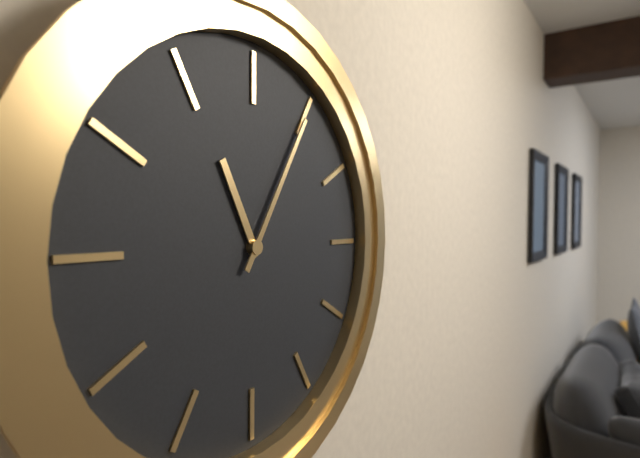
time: 11.05
